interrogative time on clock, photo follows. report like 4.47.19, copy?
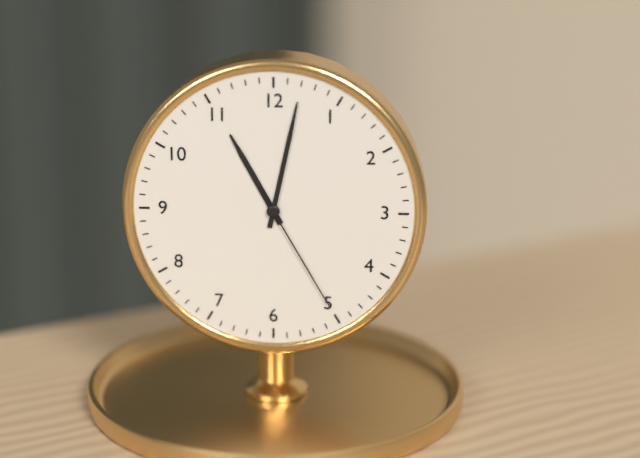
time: 11.02.25
